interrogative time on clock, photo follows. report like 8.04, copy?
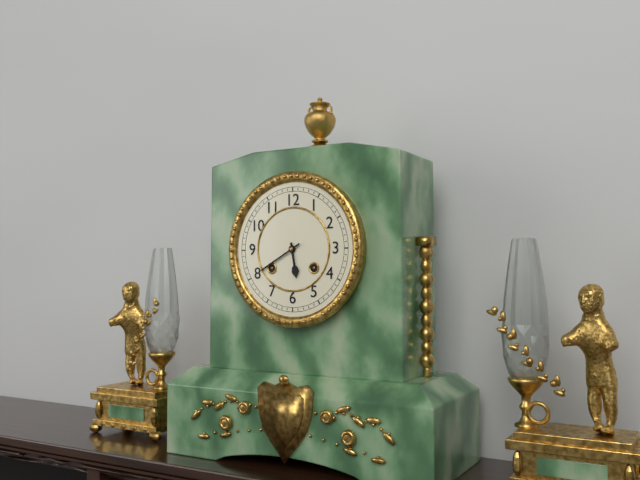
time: 5.40
